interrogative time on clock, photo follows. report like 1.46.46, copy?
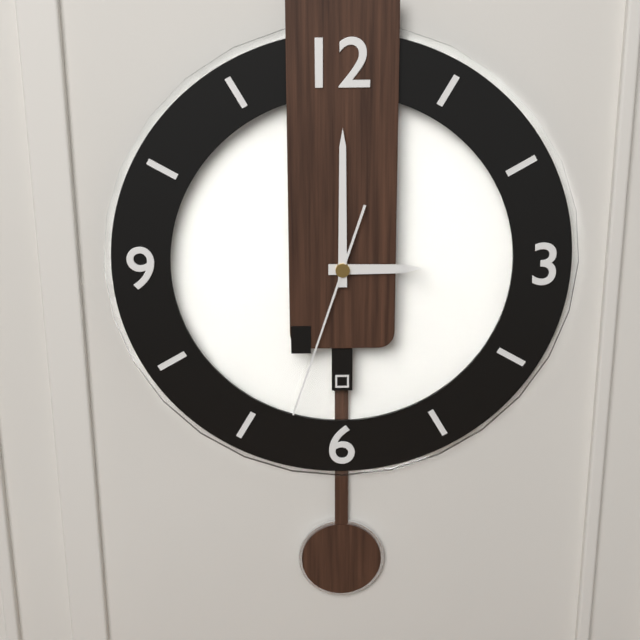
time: 3.00.33
